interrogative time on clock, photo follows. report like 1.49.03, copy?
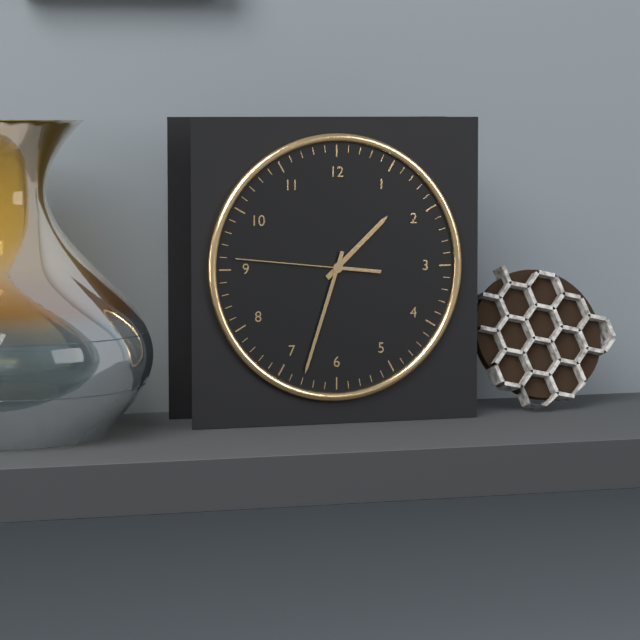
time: 1.33.46
